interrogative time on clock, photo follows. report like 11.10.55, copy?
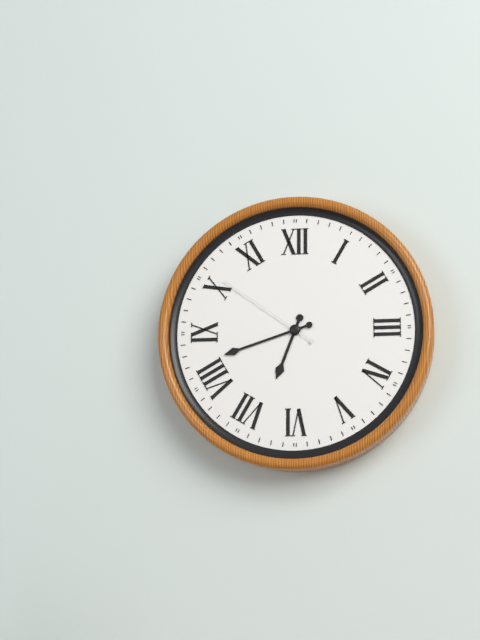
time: 6.42.51
